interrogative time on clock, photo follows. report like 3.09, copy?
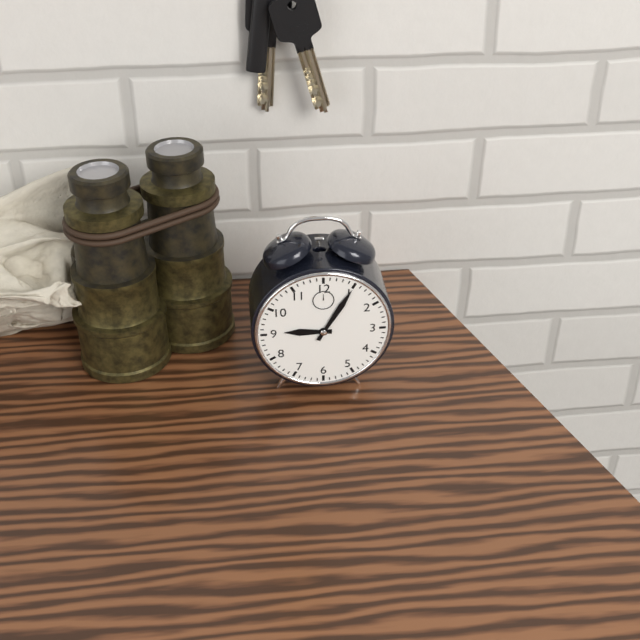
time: 9.05
